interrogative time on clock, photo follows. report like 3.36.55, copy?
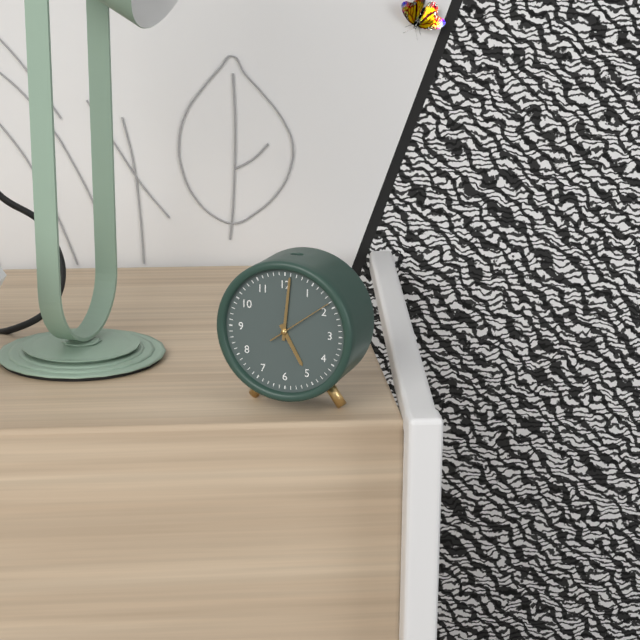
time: 5.01.09
